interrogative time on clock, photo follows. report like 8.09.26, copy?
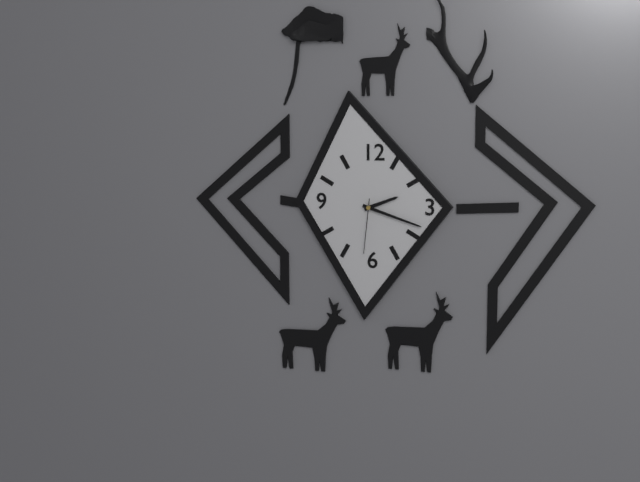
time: 2.18.31
